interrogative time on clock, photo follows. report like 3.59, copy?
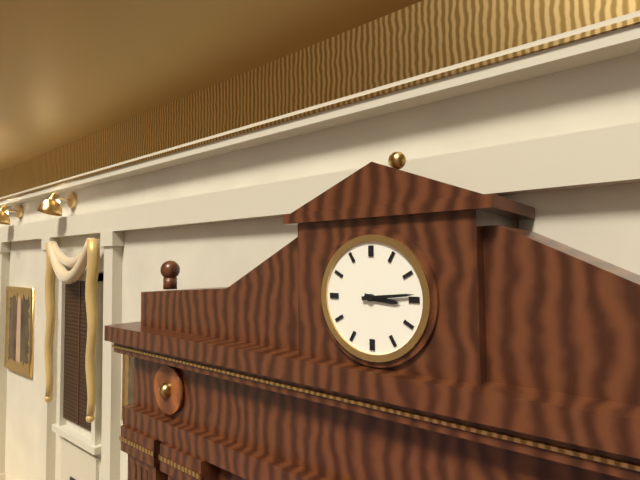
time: 3.14
